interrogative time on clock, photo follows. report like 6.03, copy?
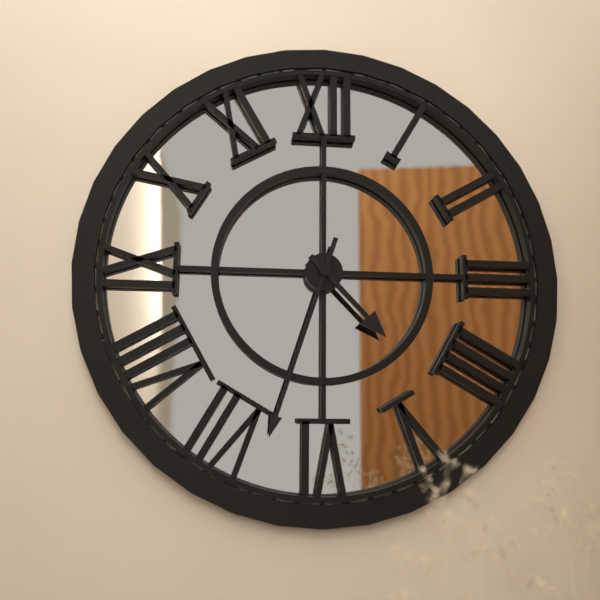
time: 4.33
